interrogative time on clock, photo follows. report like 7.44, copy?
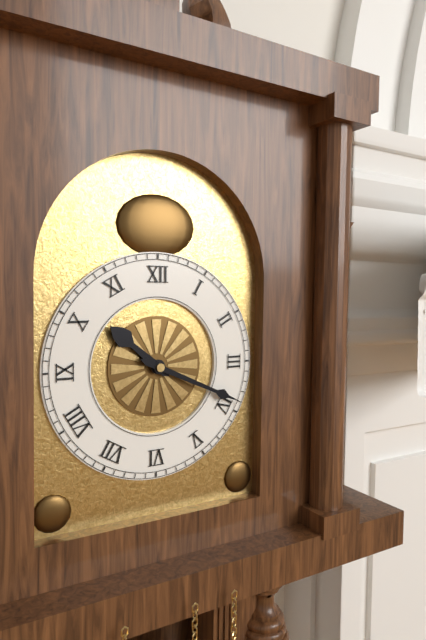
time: 10.19
